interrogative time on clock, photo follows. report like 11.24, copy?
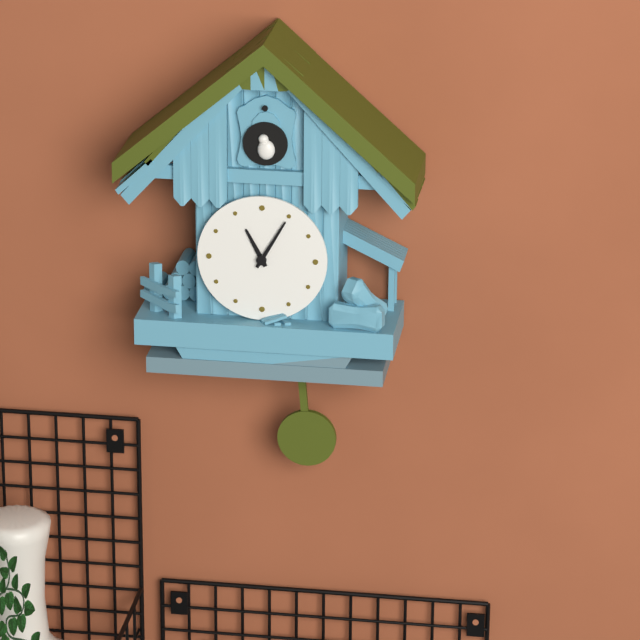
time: 11.05
